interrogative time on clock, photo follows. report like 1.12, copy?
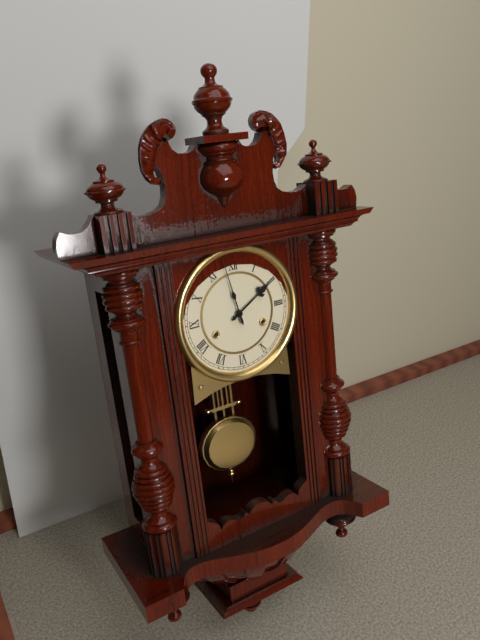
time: 1.58
